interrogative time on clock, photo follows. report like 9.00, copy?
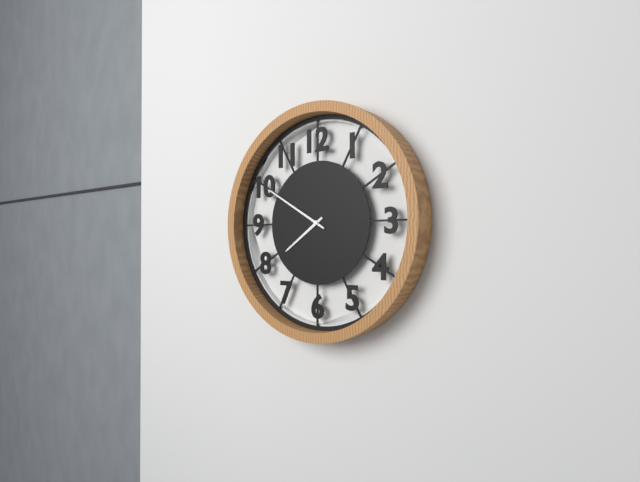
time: 7.50
